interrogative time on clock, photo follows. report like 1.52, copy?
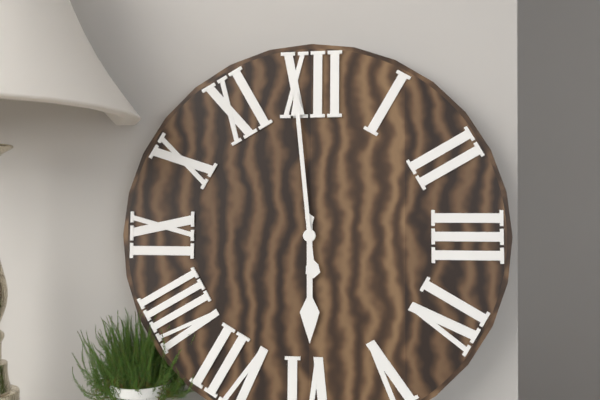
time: 5.59
